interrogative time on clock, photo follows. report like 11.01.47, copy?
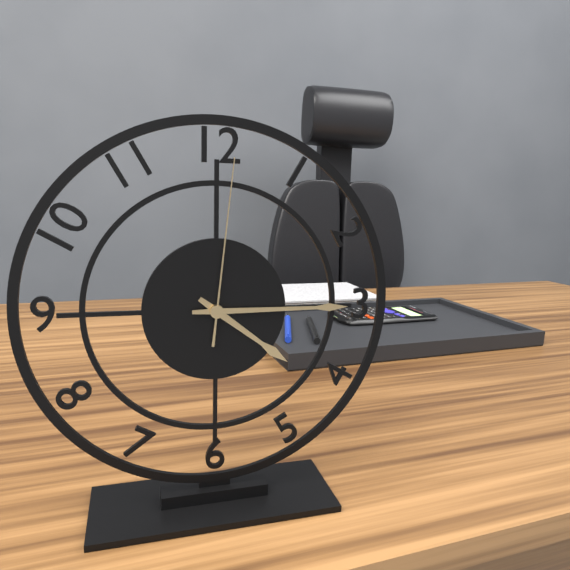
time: 4.15.01
